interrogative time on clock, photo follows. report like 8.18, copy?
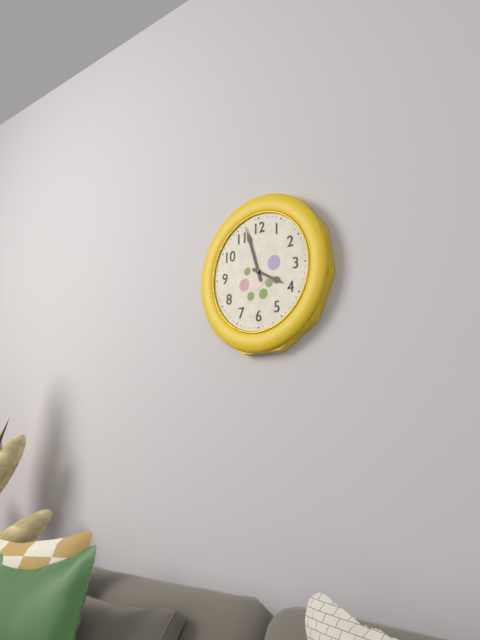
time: 3.57
